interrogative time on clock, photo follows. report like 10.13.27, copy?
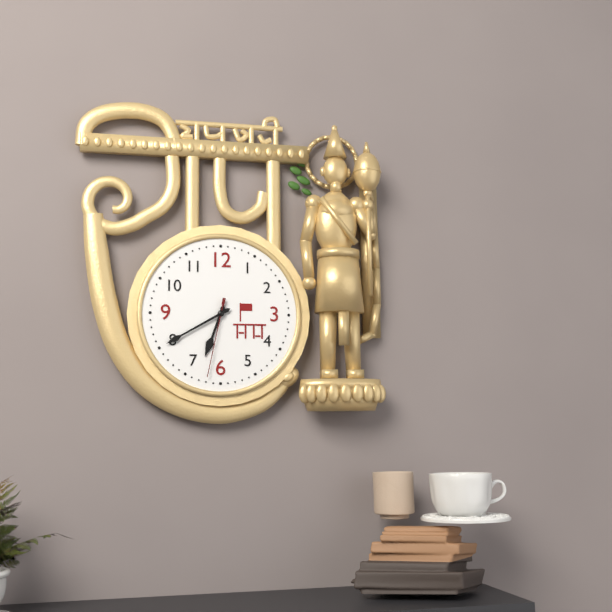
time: 6.40.32
